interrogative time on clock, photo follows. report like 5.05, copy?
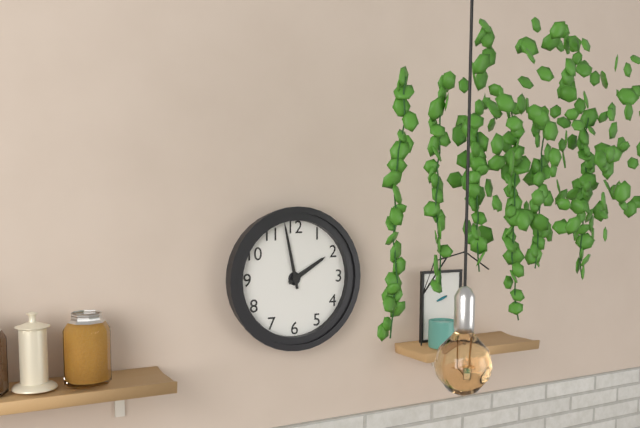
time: 1.58
